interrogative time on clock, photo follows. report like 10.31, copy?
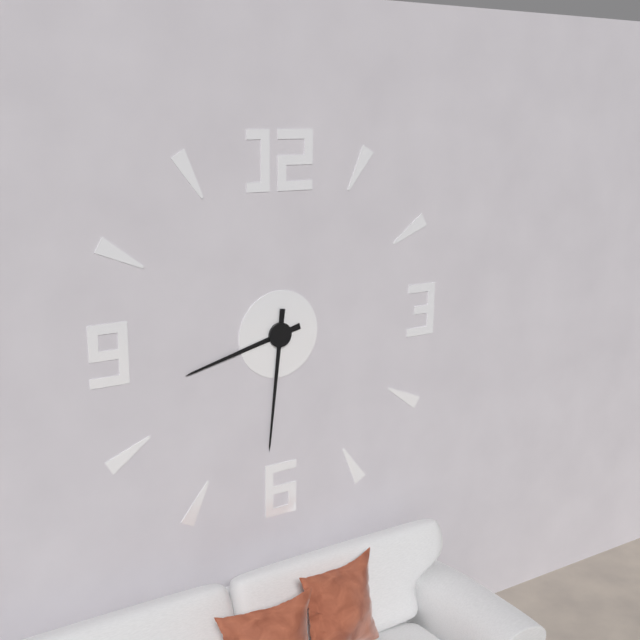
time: 8.31
